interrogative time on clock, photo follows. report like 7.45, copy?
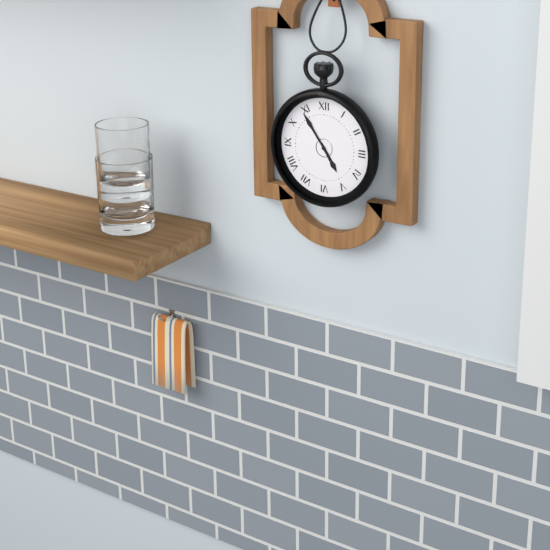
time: 4.54
